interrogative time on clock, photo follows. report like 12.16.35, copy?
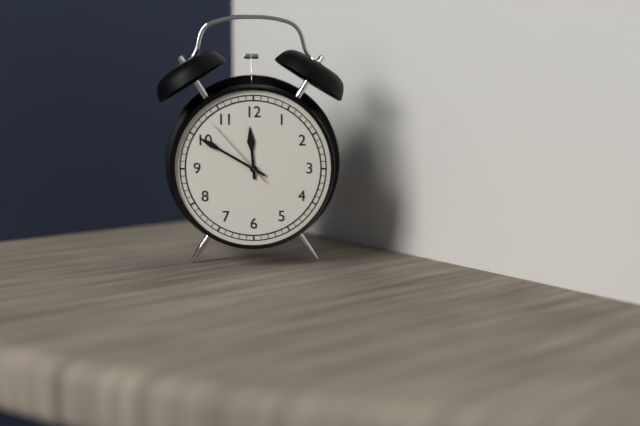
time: 11.50.53
